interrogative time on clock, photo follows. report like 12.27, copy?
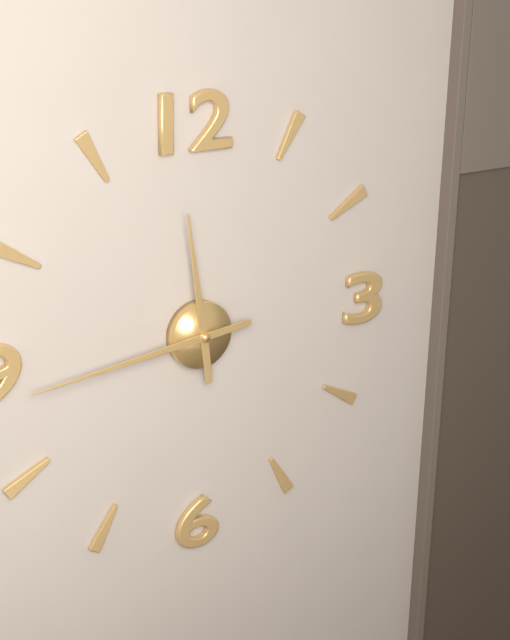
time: 11.44
